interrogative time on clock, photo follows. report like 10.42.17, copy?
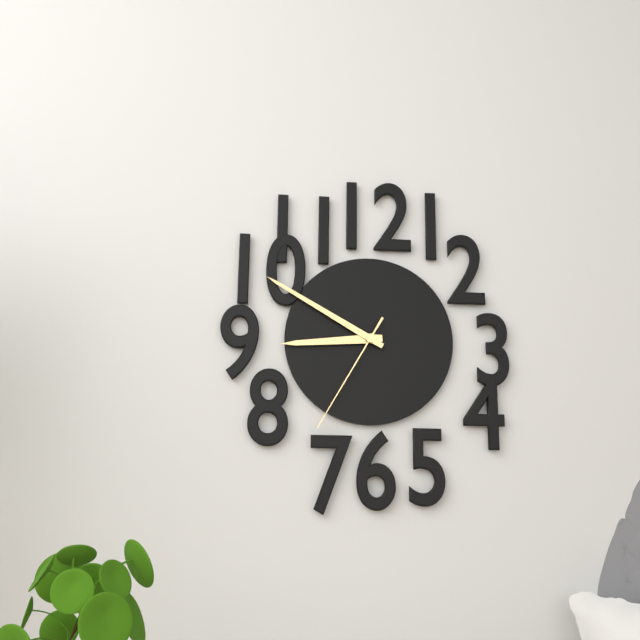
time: 8.50.35
